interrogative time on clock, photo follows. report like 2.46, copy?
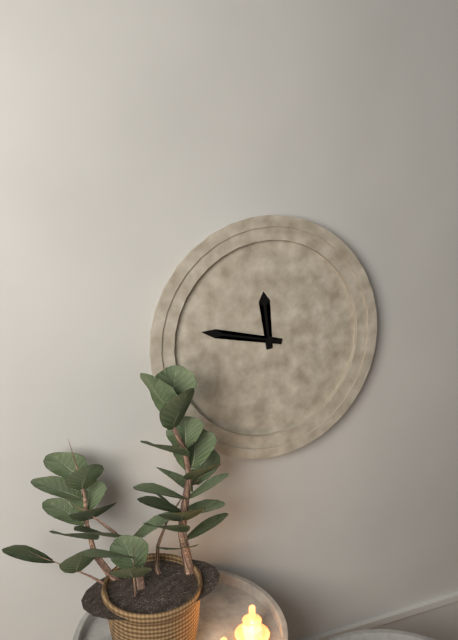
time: 11.47
